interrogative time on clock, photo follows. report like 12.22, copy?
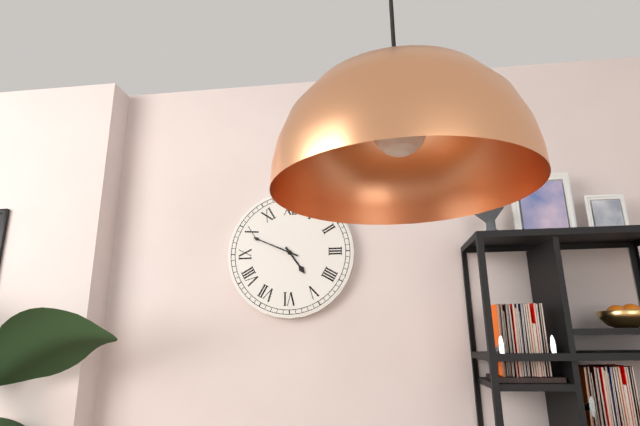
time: 4.49
